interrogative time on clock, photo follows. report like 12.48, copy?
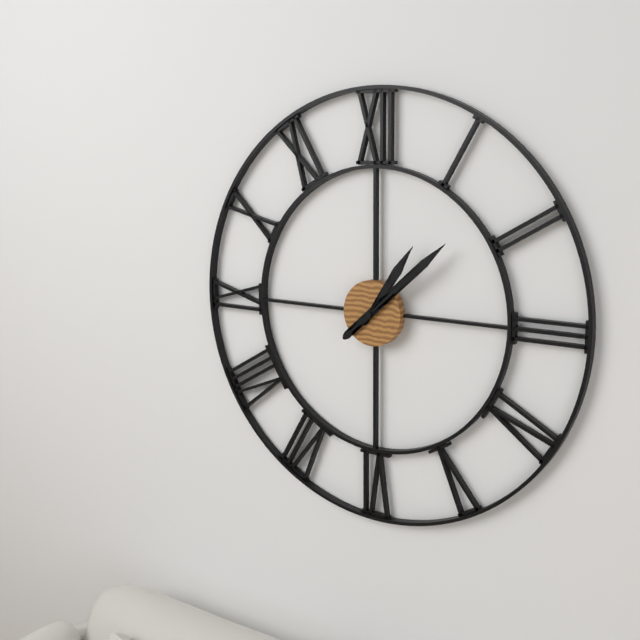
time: 1.08
